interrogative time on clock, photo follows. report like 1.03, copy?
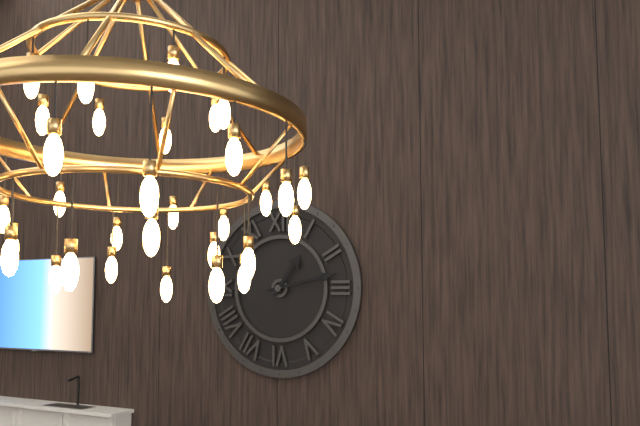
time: 1.13
